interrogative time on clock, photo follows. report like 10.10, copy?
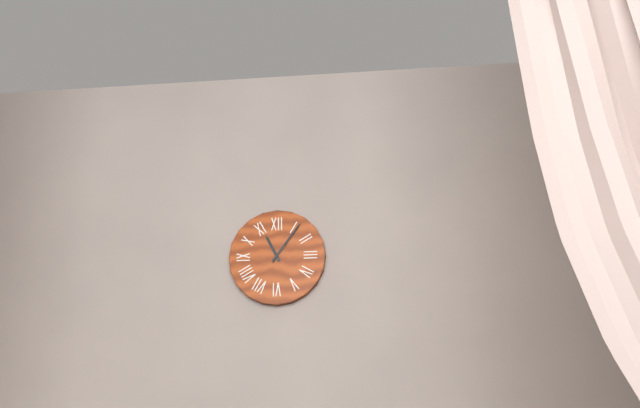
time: 11.06
